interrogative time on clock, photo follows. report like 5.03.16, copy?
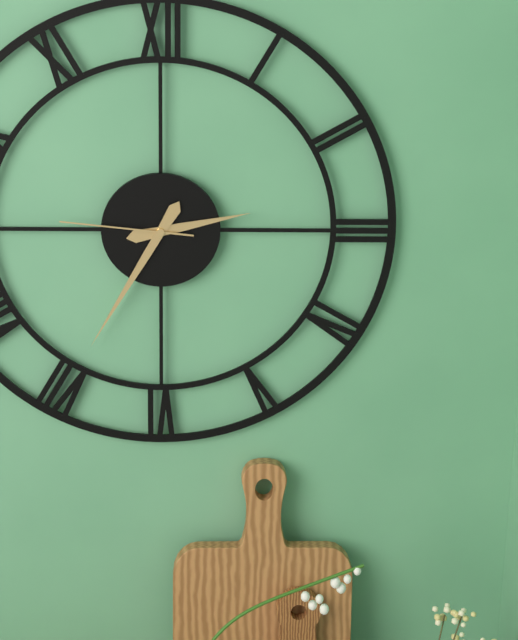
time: 2.35.46
